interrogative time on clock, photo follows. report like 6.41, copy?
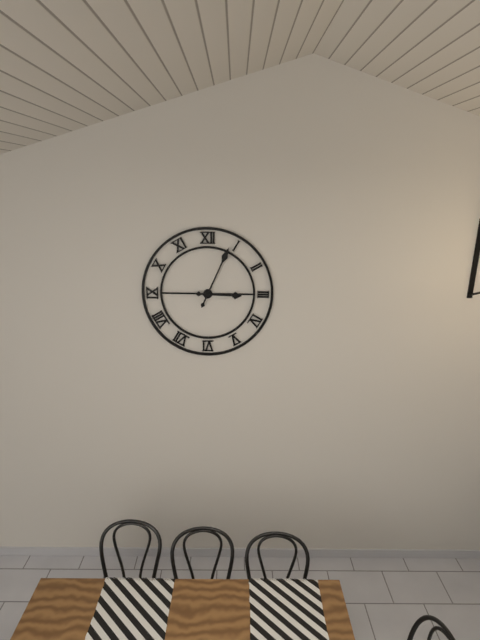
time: 3.04
